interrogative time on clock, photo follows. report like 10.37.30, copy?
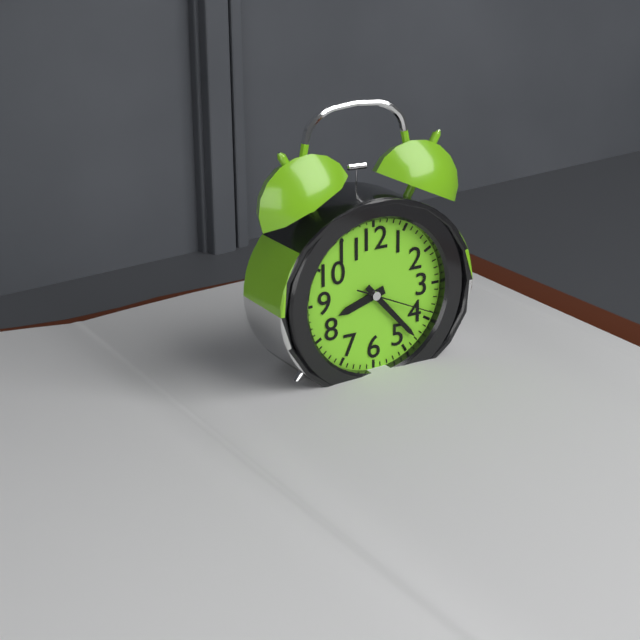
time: 8.23.19
